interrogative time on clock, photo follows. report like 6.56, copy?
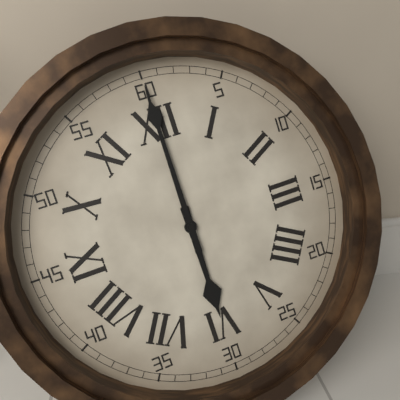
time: 6.00
